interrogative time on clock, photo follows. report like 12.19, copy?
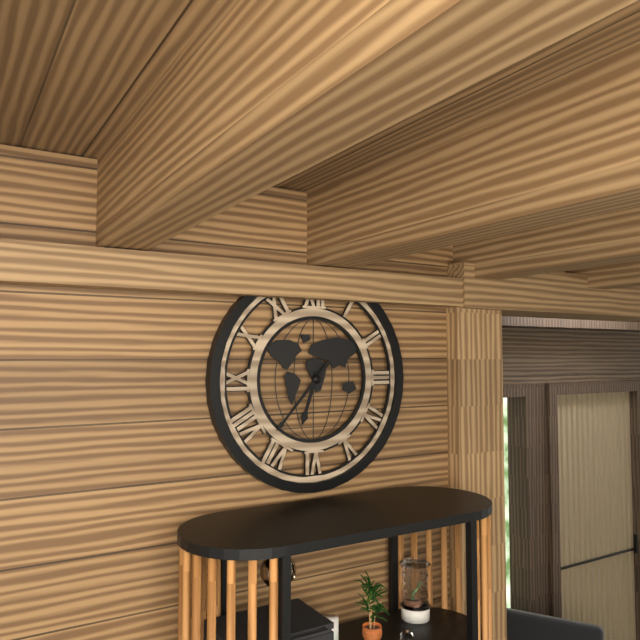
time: 6.37
